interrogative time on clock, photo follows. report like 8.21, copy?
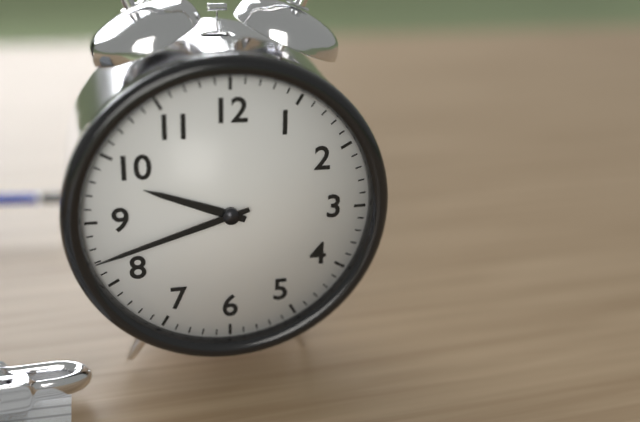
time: 9.42
